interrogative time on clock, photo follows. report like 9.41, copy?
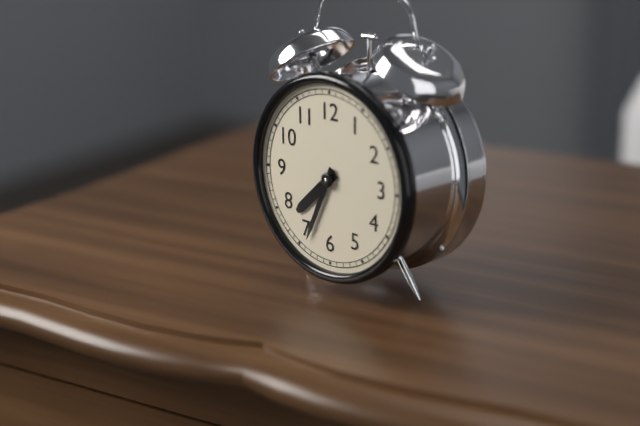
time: 7.34
